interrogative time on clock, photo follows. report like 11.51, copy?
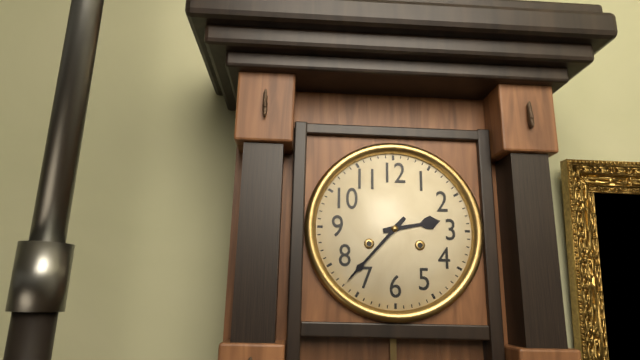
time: 2.37
